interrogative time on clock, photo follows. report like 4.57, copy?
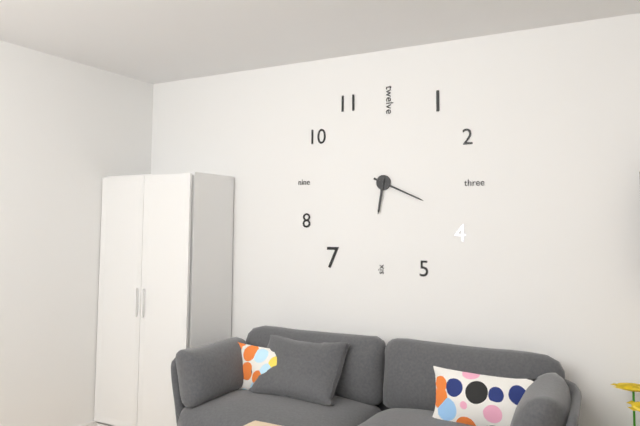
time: 6.19
